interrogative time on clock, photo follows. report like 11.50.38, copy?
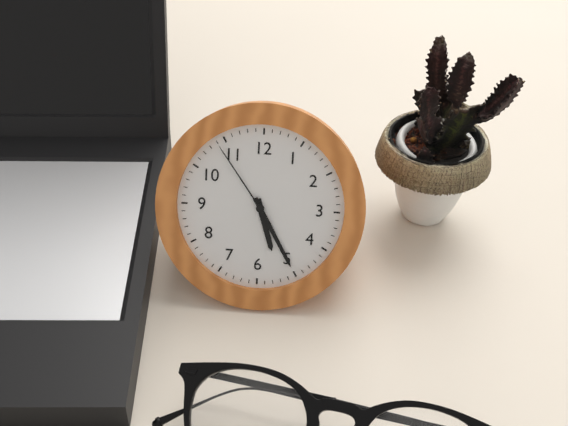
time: 5.25.54
